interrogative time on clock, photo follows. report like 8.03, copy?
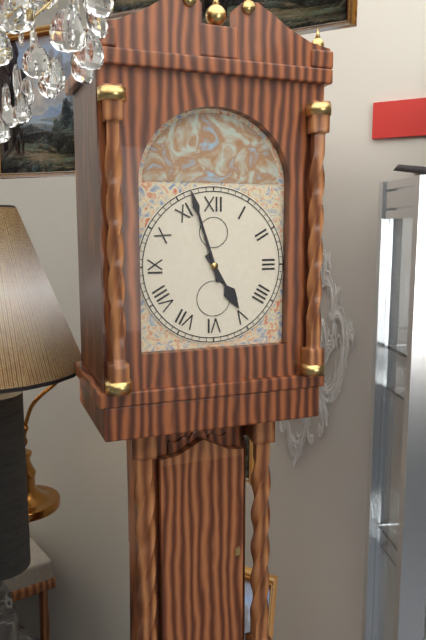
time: 4.57
